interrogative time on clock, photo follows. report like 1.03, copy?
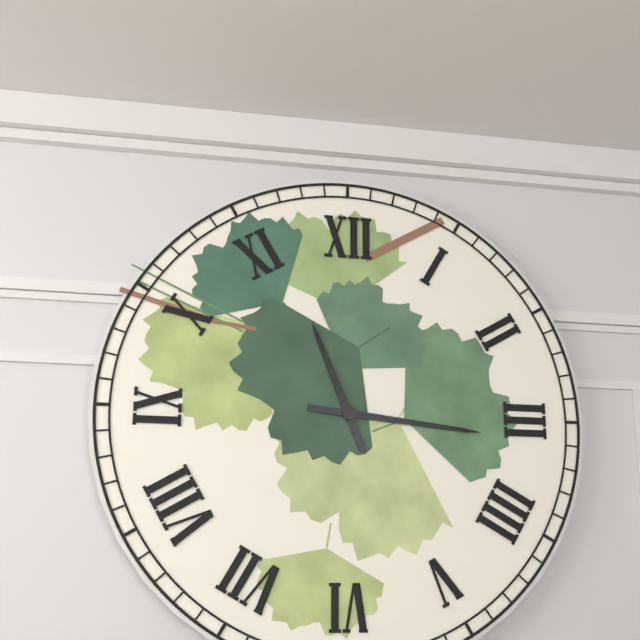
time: 11.16
